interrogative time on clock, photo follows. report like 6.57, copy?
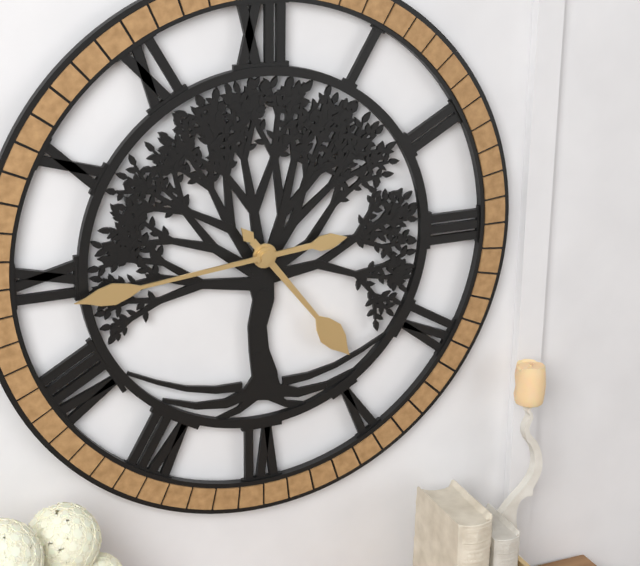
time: 4.44
